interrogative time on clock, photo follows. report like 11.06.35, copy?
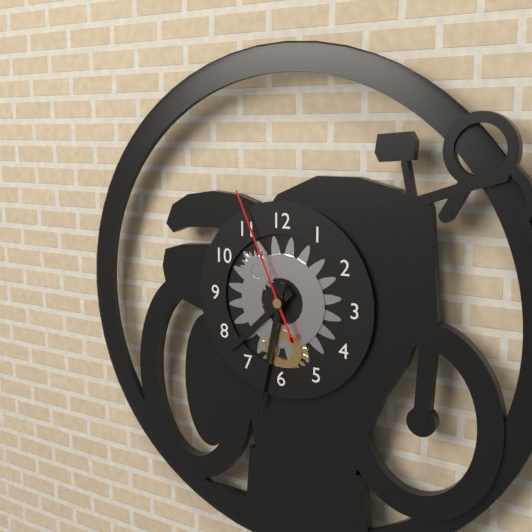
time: 7.32.56
